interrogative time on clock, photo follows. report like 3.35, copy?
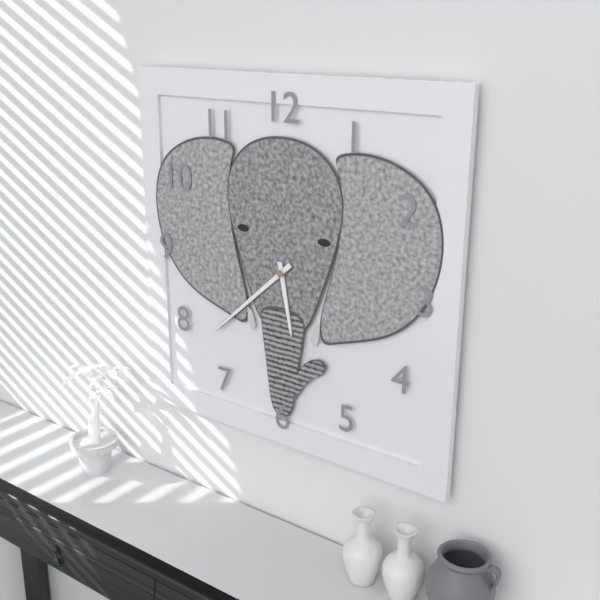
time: 5.38
